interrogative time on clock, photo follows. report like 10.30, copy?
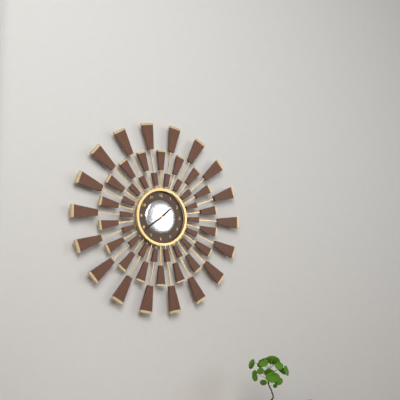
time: 1.39
